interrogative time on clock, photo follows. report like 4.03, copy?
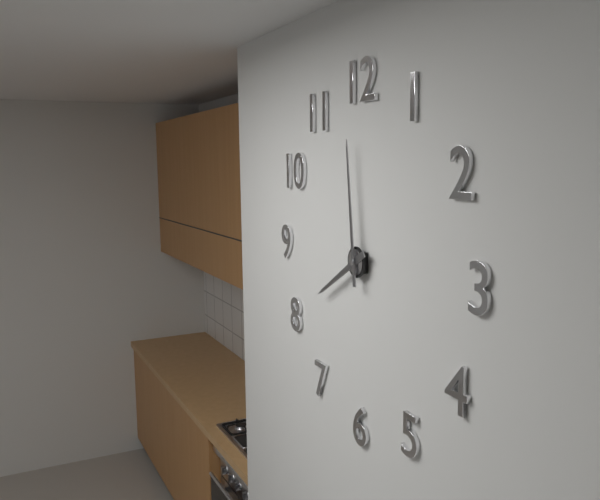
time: 7.59
